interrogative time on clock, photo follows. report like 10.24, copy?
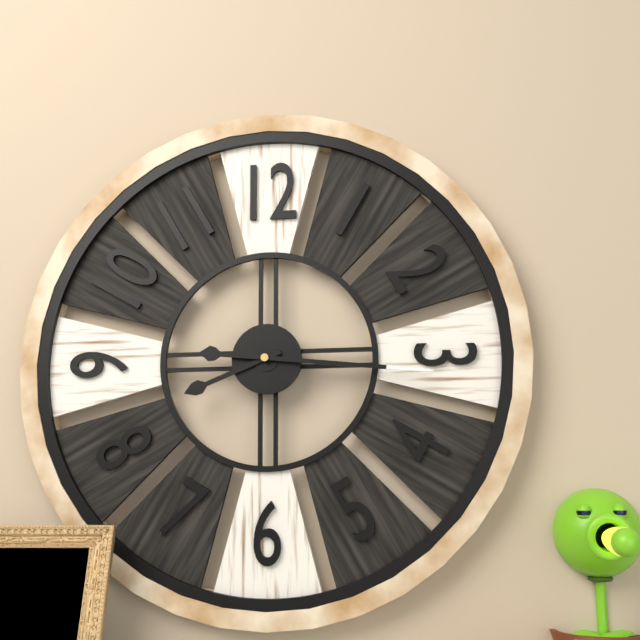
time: 8.16
